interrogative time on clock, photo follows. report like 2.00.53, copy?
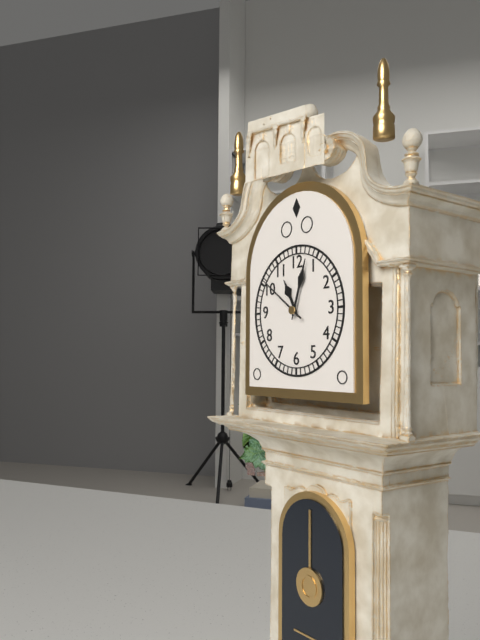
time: 11.03.51
